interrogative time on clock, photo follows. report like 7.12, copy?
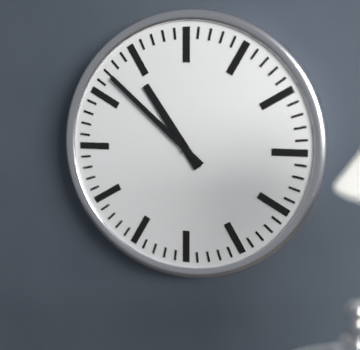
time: 10.52
